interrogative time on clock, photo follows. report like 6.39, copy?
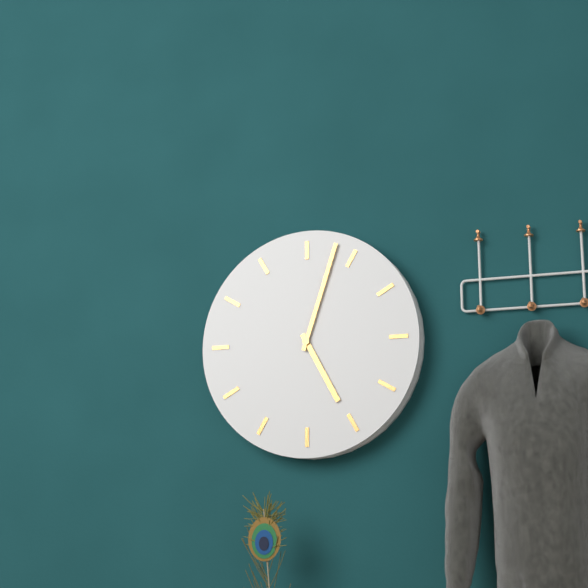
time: 5.03
